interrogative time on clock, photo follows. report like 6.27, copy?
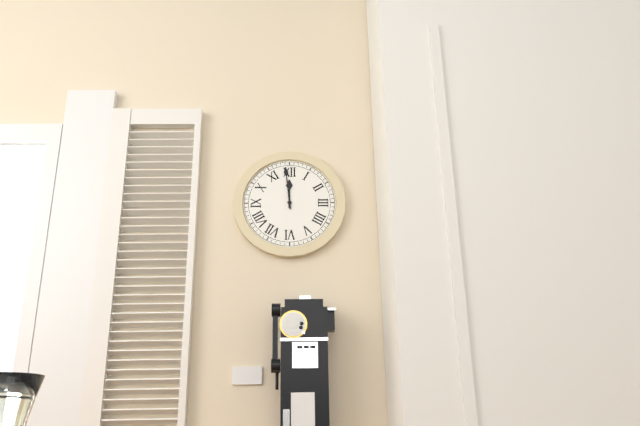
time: 11.59
